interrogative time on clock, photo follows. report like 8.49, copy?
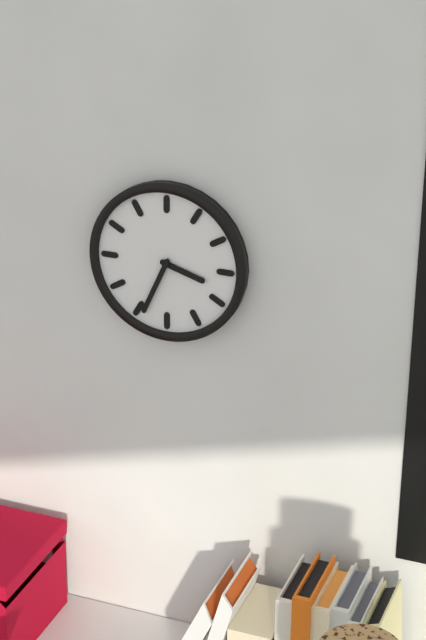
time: 3.34
